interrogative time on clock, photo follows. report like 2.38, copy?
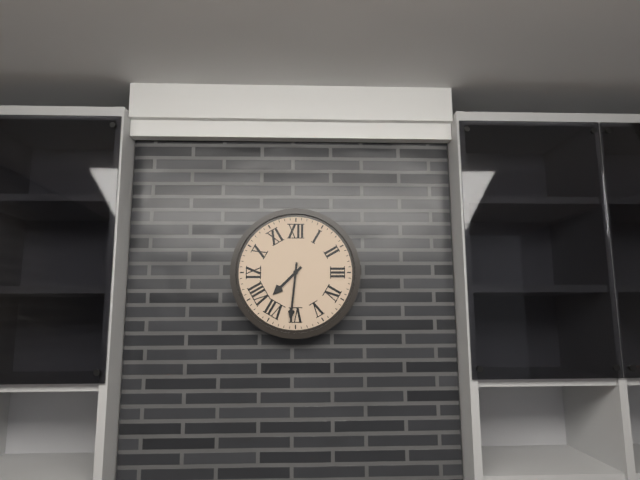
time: 7.31
